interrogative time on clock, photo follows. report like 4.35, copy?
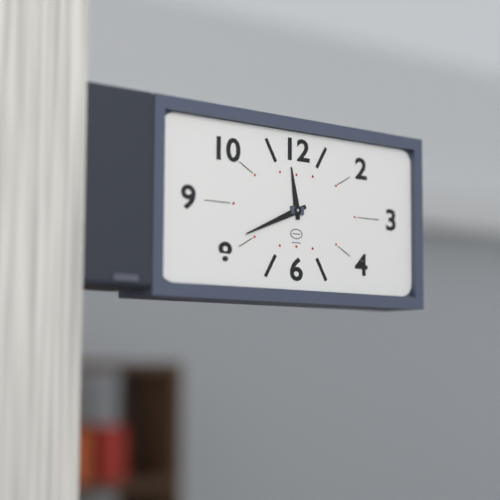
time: 11.41
